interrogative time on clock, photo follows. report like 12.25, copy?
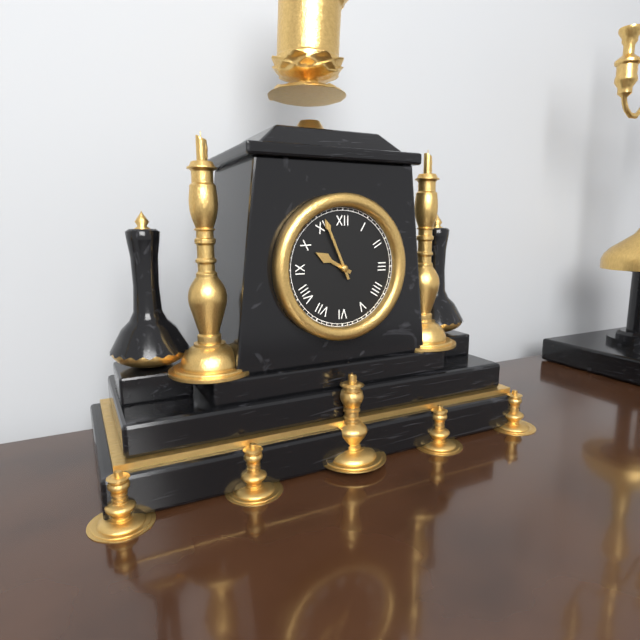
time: 9.56
